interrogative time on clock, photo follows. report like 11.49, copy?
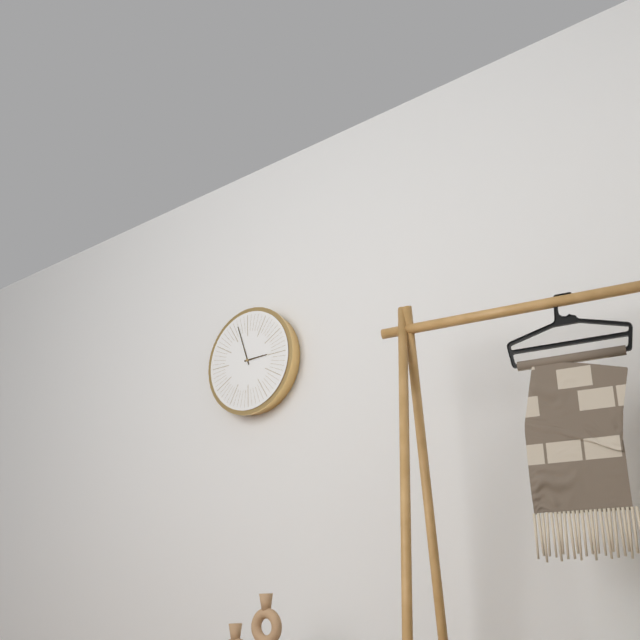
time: 2.57
